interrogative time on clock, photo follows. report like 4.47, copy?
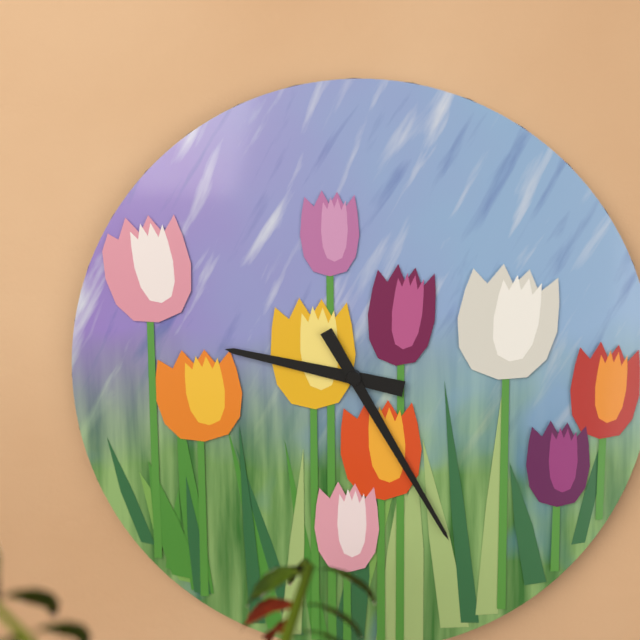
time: 9.25
